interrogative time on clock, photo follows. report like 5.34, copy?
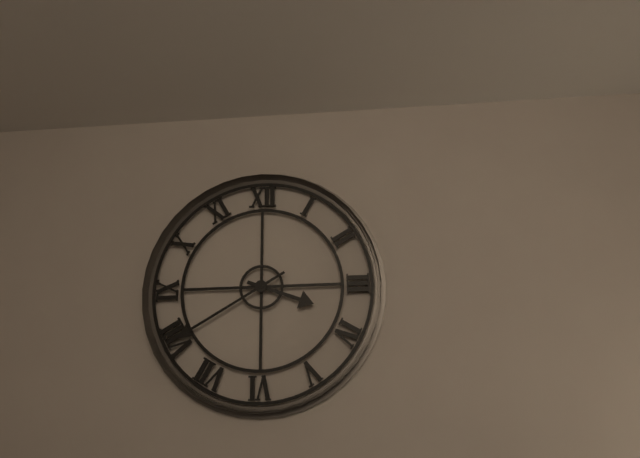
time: 3.40
